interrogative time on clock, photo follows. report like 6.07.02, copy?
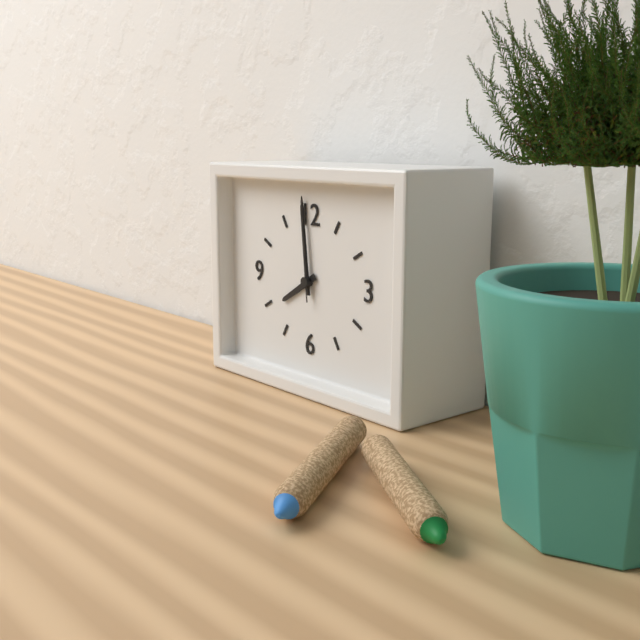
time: 7.59.59
